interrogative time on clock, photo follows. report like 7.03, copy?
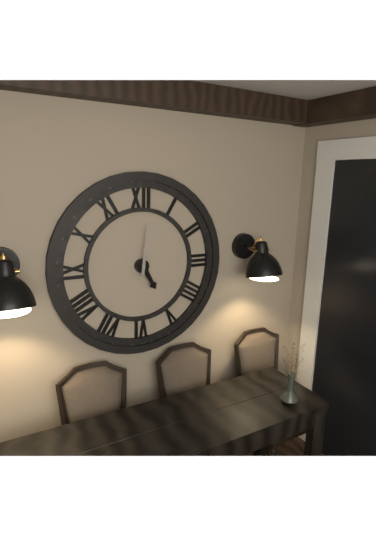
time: 5.01
